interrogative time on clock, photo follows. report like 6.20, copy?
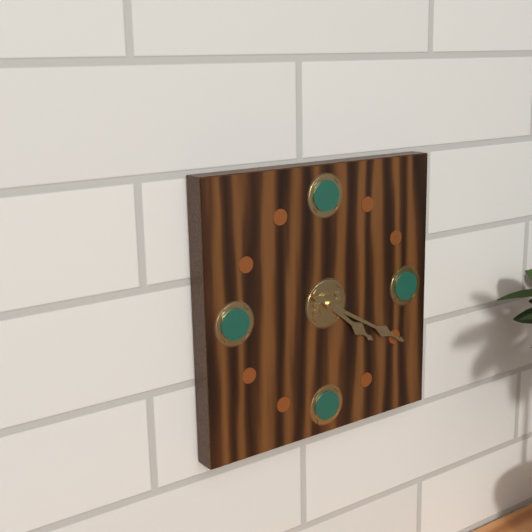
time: 4.20
